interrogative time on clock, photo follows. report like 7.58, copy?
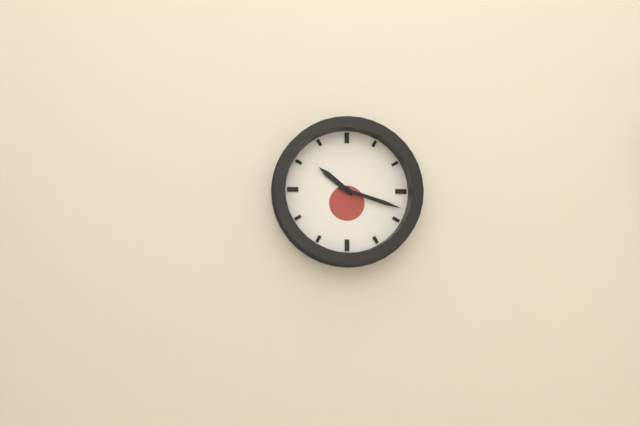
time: 10.18
